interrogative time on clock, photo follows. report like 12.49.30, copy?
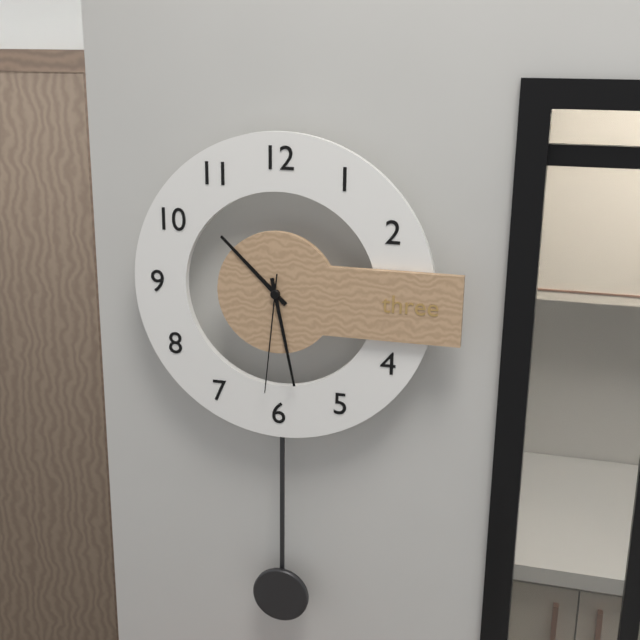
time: 10.28.31
